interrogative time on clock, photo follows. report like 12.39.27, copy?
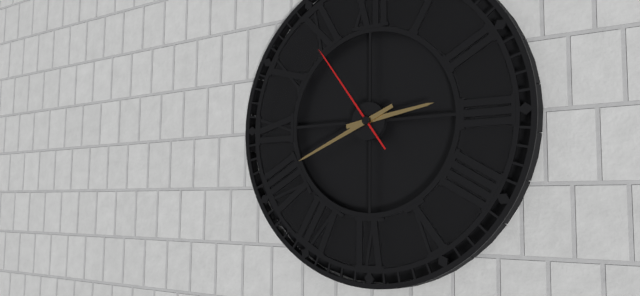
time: 2.41.54
